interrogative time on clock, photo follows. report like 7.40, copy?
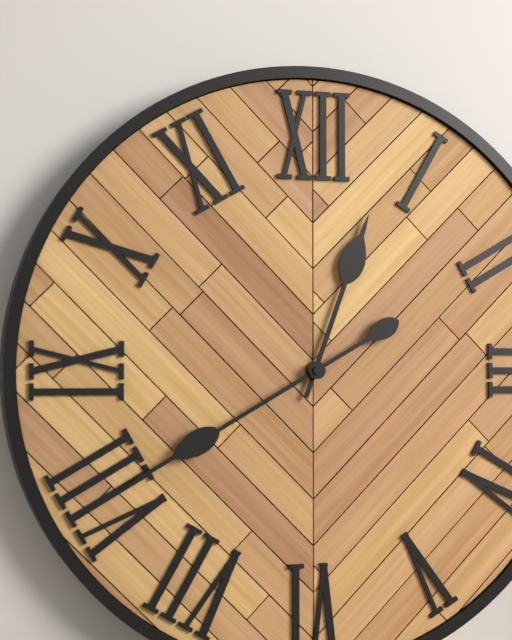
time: 12.40
